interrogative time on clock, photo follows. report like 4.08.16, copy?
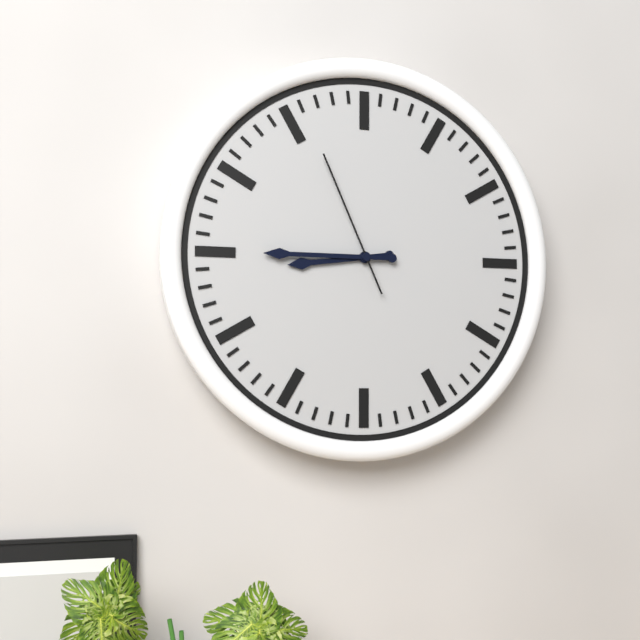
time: 8.45.56
